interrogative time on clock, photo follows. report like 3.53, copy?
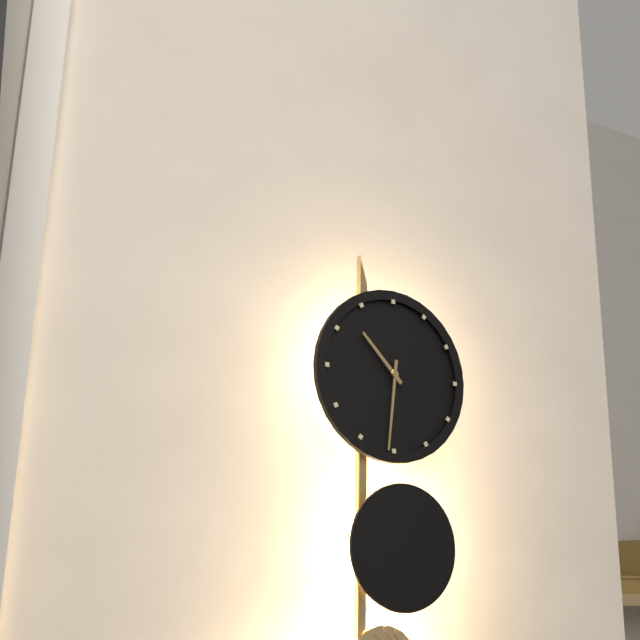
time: 10.31
